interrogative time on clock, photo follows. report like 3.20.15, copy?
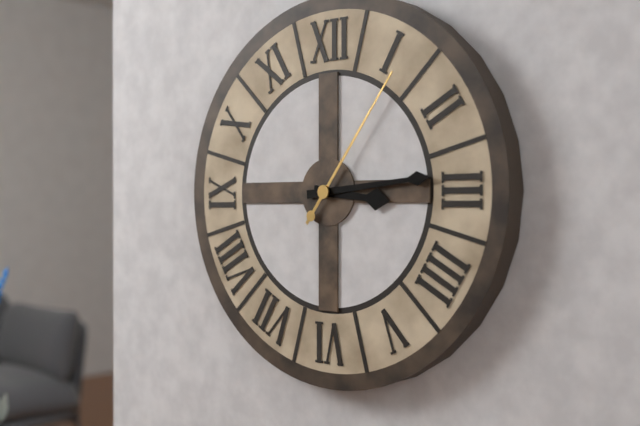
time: 3.14.06
